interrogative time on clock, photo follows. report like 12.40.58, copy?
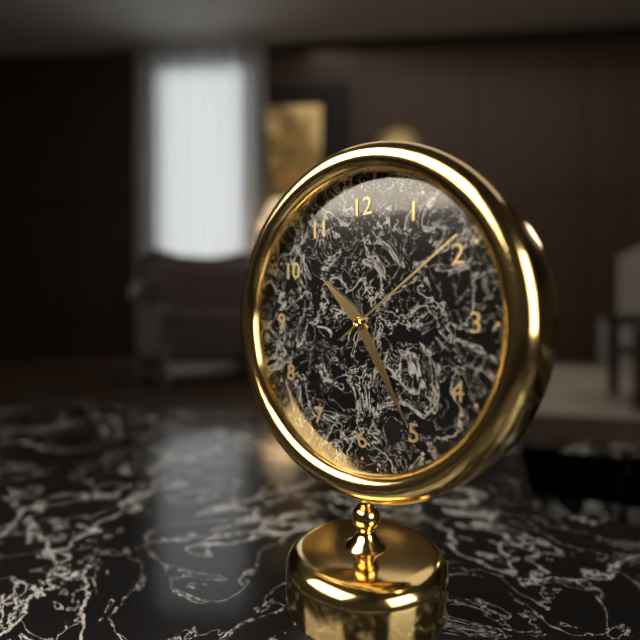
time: 10.25.09
